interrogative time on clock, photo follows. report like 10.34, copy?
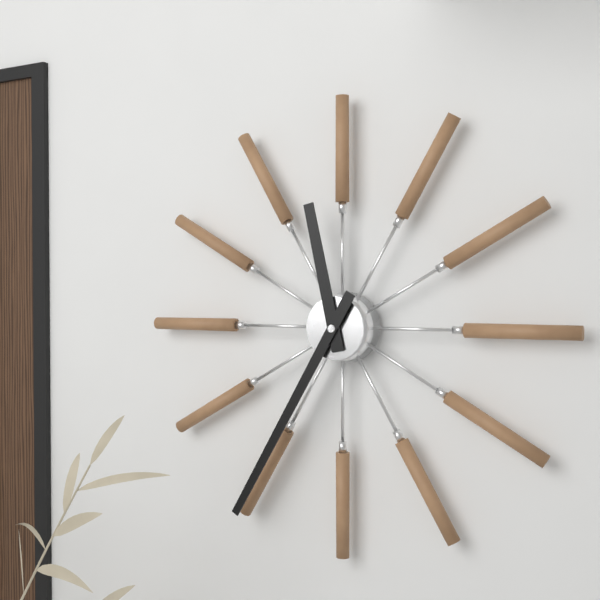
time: 11.35
